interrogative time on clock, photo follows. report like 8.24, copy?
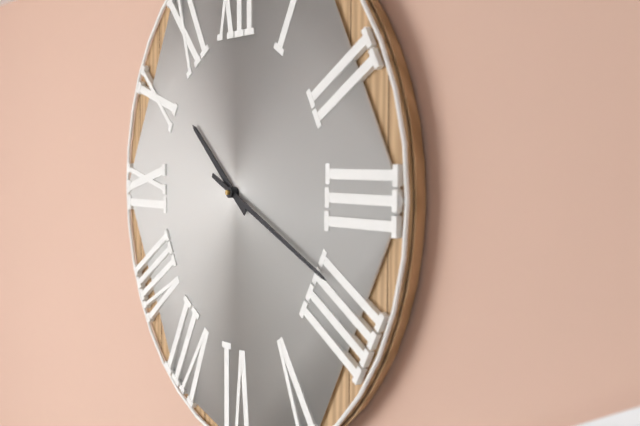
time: 10.19
